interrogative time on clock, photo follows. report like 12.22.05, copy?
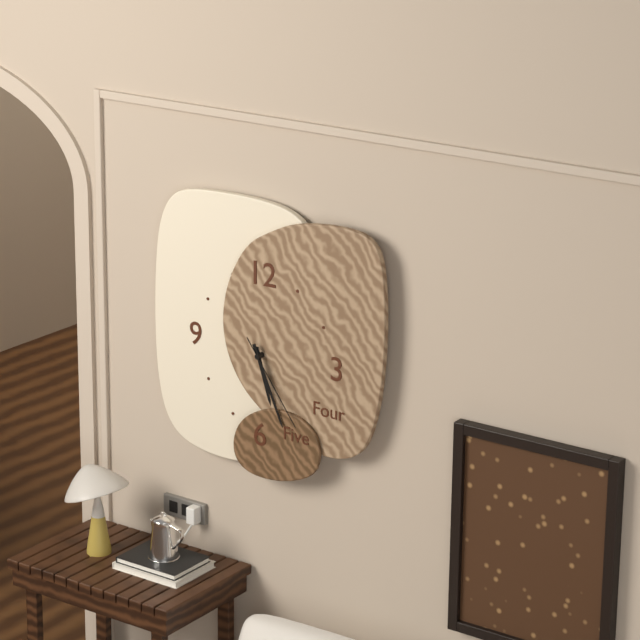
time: 5.26.24
